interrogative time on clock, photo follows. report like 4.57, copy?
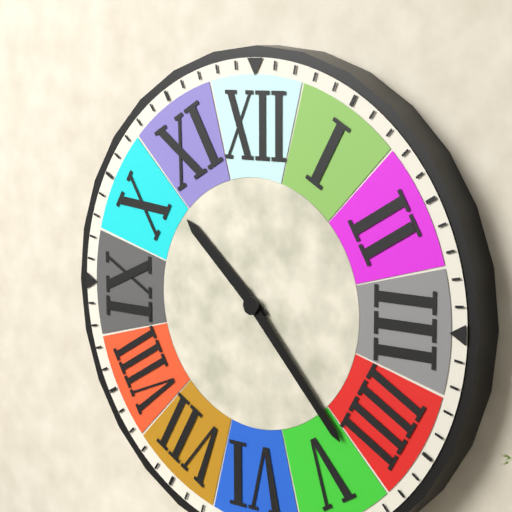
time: 10.23
